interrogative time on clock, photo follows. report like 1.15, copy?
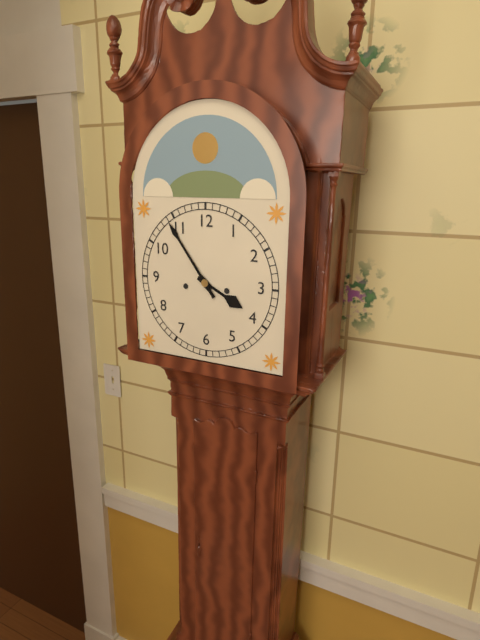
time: 3.54
